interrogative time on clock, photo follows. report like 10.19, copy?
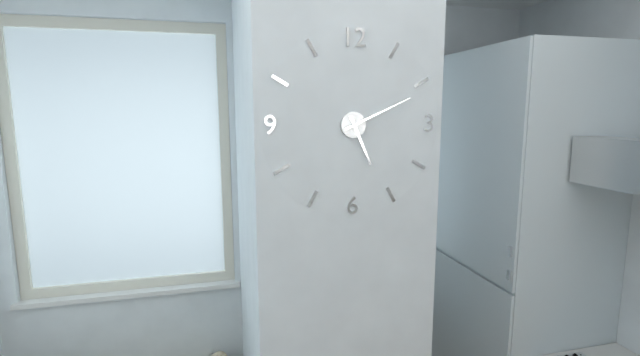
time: 5.11
